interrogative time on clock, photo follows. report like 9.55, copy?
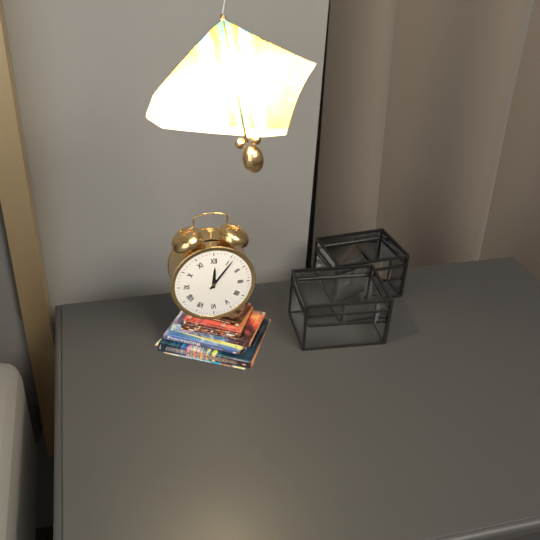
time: 12.06
